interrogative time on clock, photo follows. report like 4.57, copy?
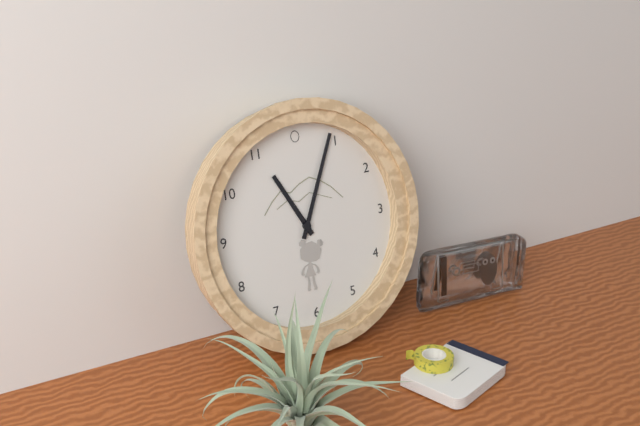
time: 11.04
